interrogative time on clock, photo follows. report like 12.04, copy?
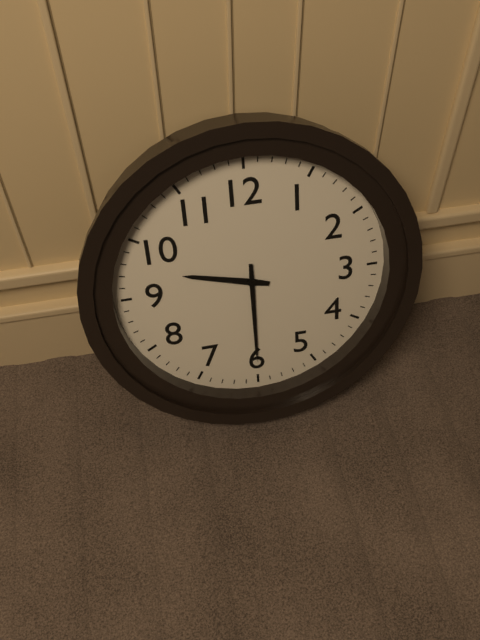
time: 9.30
